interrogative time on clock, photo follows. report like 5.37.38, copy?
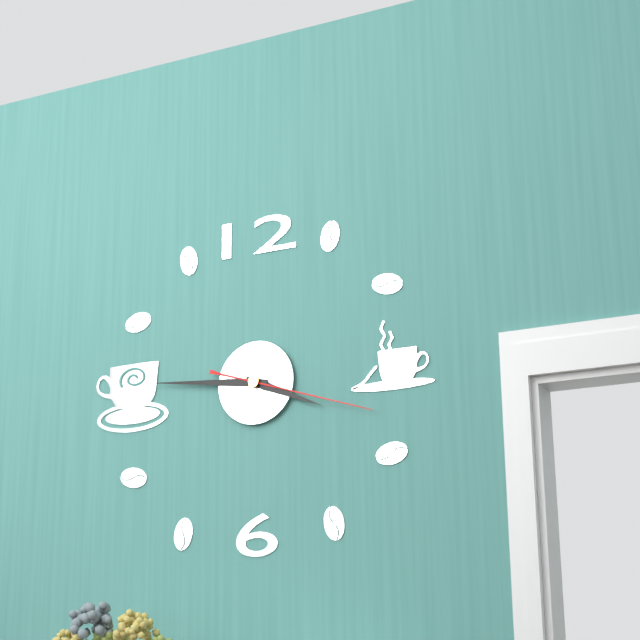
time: 3.46.18
